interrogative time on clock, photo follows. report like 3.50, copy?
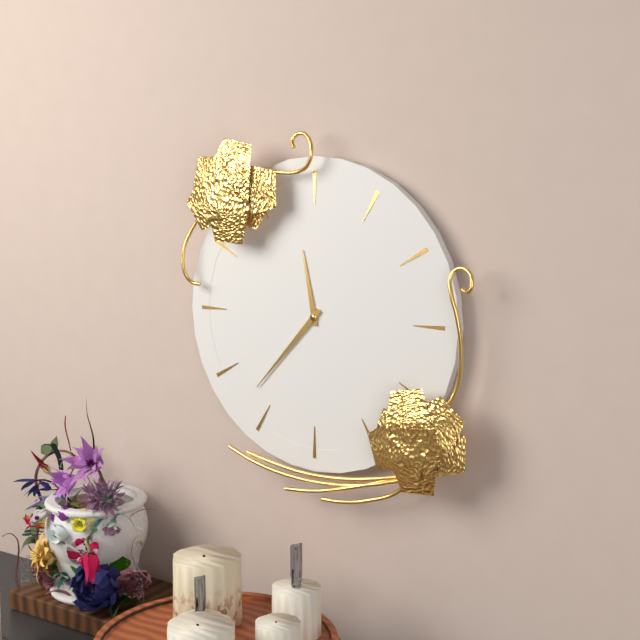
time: 11.37
